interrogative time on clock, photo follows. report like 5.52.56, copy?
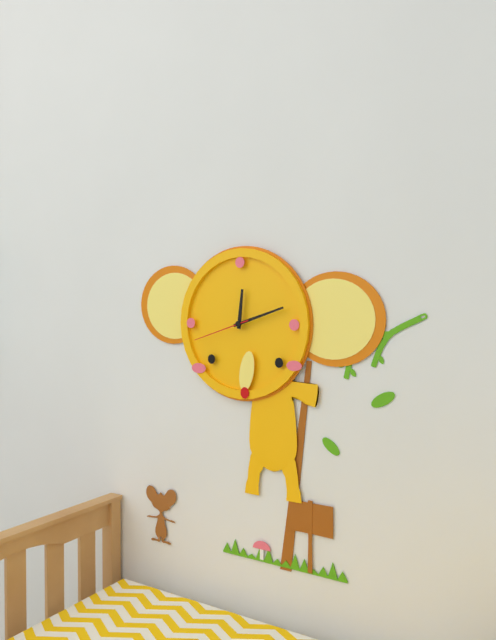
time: 12.12.42
